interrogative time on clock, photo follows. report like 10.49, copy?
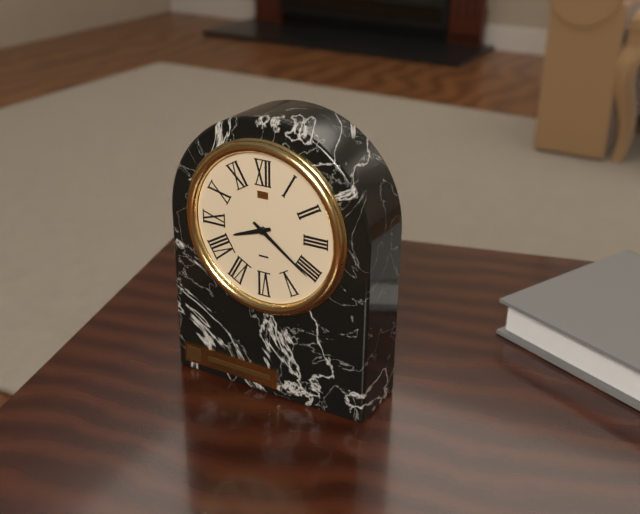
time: 8.21
